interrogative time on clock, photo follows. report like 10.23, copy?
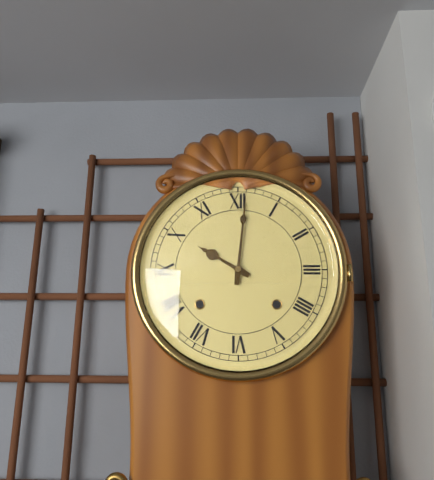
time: 10.01
